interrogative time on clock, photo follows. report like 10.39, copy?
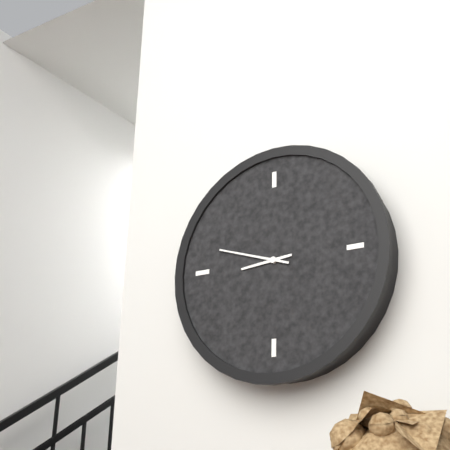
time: 8.48
